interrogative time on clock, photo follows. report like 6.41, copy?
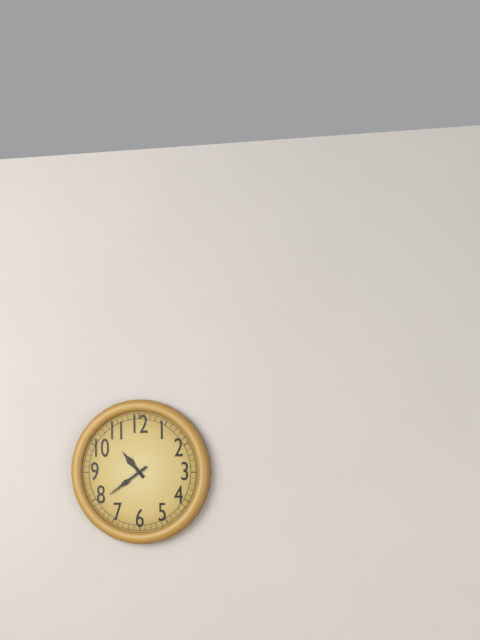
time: 10.39
